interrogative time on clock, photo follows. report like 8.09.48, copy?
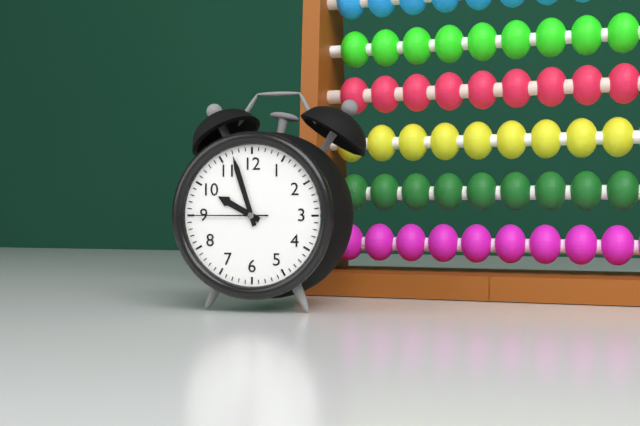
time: 9.57.45
